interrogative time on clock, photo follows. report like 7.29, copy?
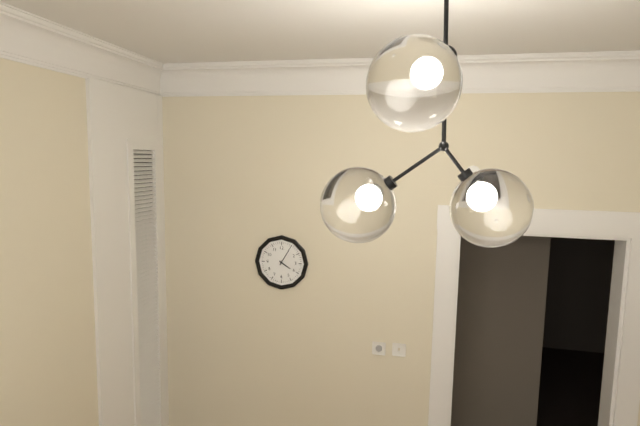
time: 4.05
